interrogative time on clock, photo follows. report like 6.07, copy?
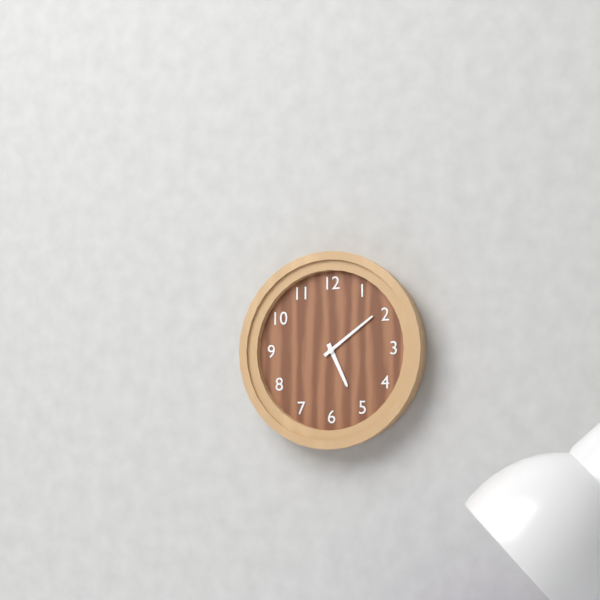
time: 5.09
